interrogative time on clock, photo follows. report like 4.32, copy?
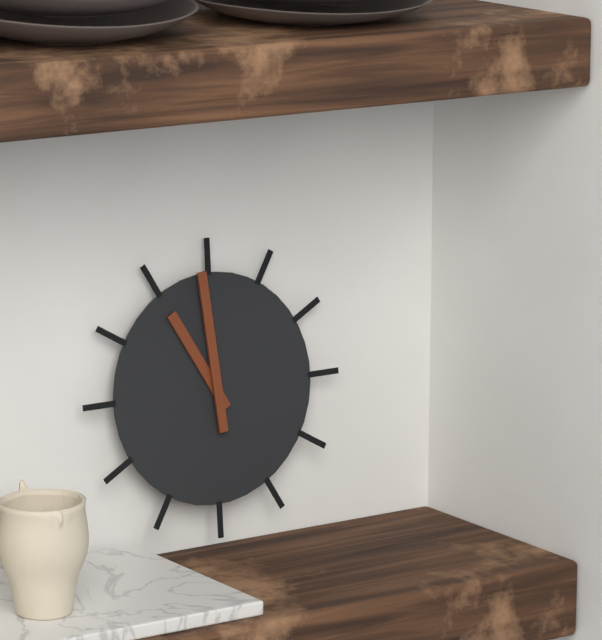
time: 10.59
